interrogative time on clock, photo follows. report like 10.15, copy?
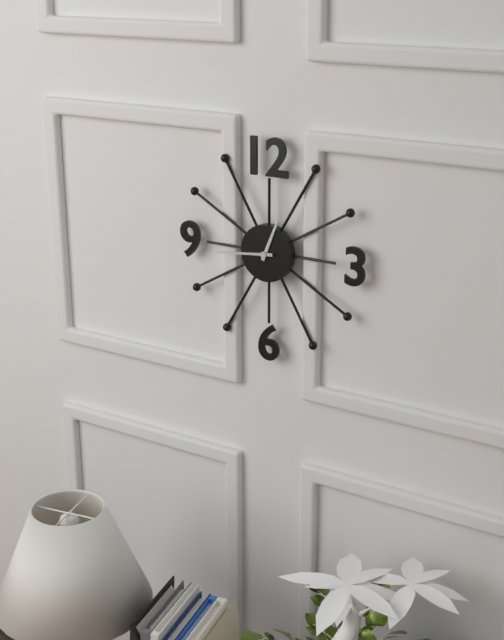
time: 12.44
